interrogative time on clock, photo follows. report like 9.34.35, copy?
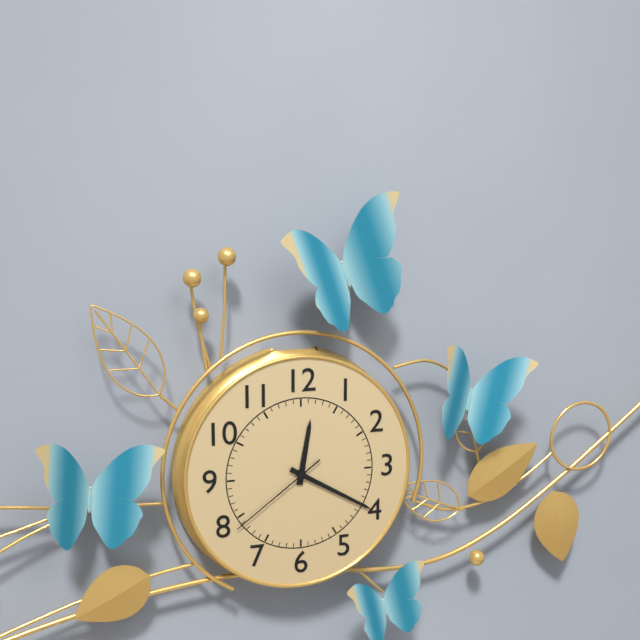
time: 12.20.39
